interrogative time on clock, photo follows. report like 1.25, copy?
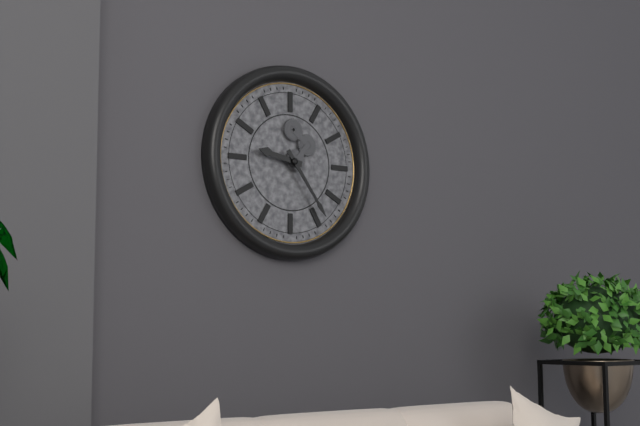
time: 9.24
